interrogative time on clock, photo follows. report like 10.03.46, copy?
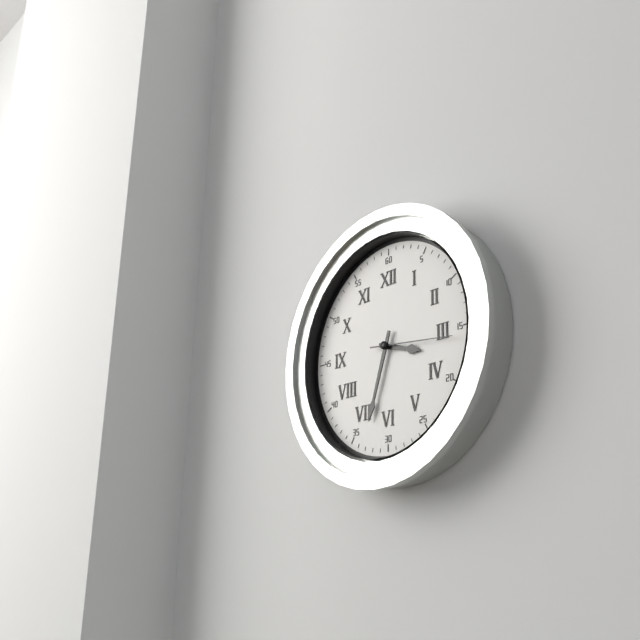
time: 3.33.16
